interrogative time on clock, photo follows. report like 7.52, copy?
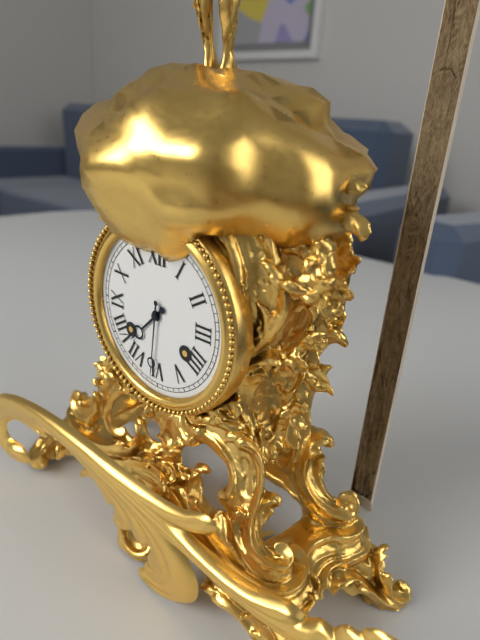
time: 7.31
